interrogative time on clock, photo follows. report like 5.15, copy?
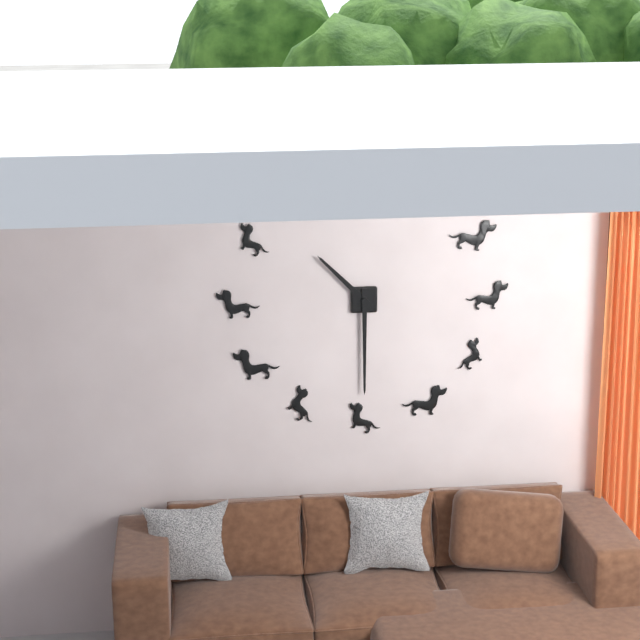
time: 10.30
